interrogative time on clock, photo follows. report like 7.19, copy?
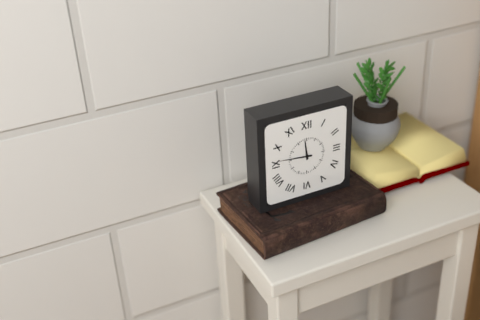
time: 11.46
